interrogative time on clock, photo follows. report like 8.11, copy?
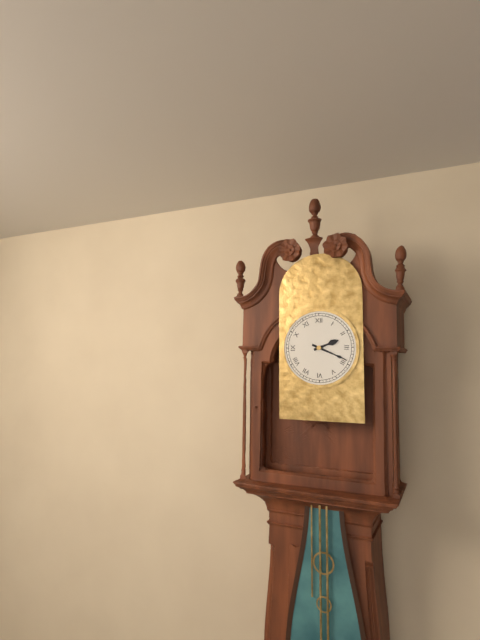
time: 2.19
